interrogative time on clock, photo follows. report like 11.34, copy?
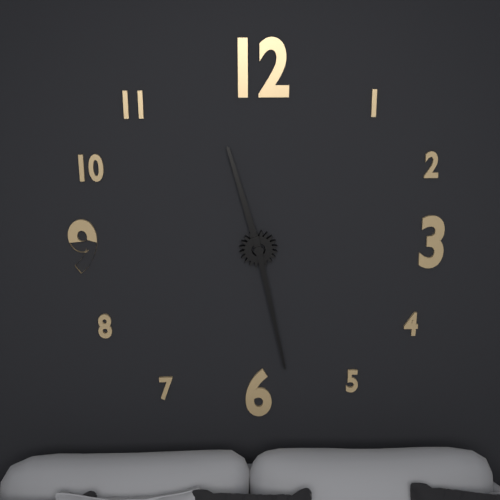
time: 11.28
